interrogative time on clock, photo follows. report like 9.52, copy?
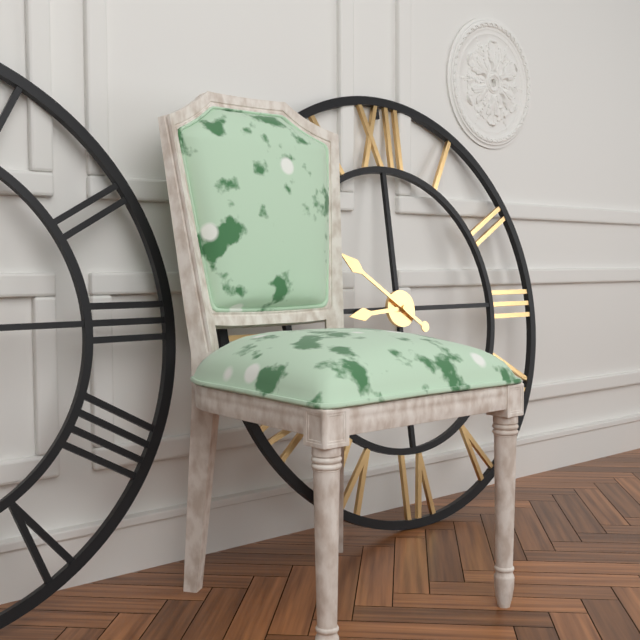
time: 8.51
